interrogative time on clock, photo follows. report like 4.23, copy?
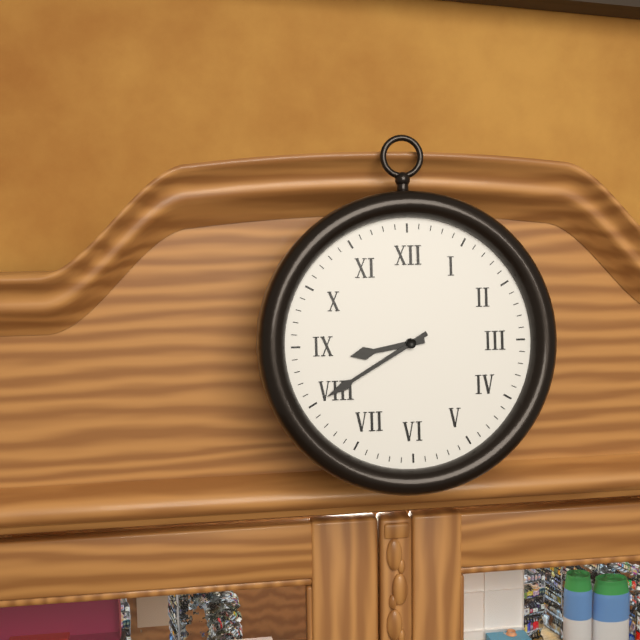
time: 8.40
